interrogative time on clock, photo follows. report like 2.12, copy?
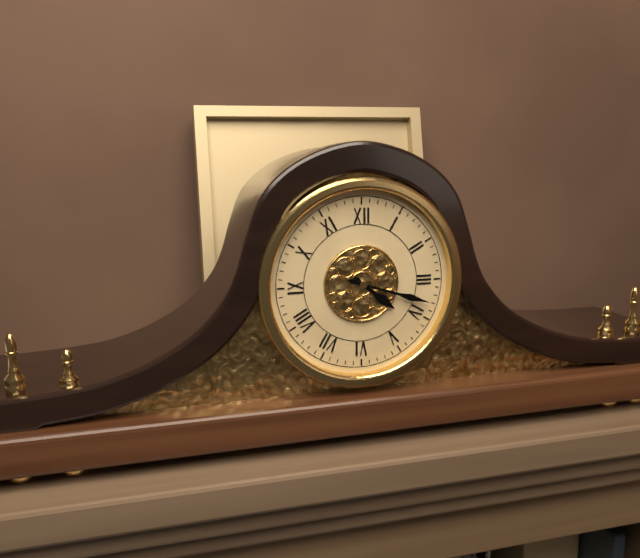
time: 4.18
